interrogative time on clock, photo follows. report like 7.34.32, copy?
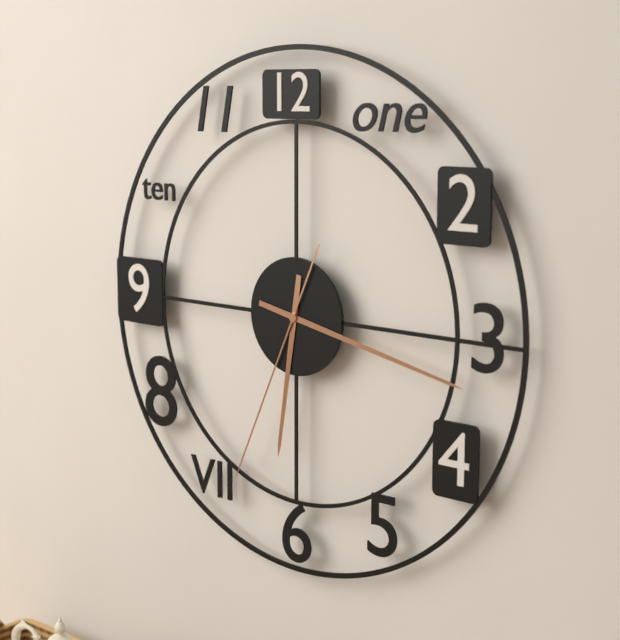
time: 6.17.34
